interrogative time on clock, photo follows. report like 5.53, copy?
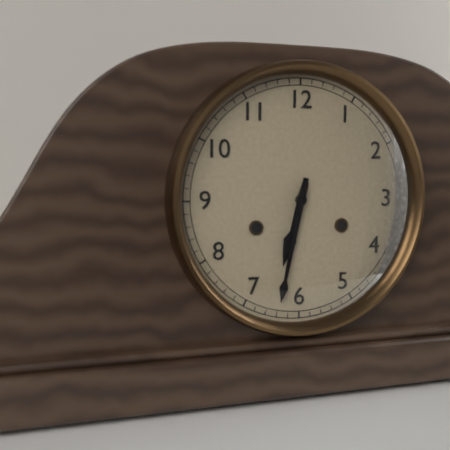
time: 6.32
